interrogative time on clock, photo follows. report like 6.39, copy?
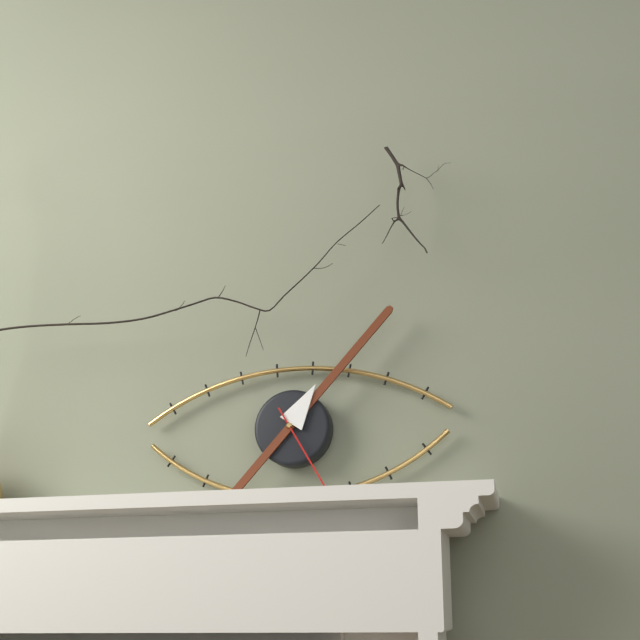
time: 1.07
